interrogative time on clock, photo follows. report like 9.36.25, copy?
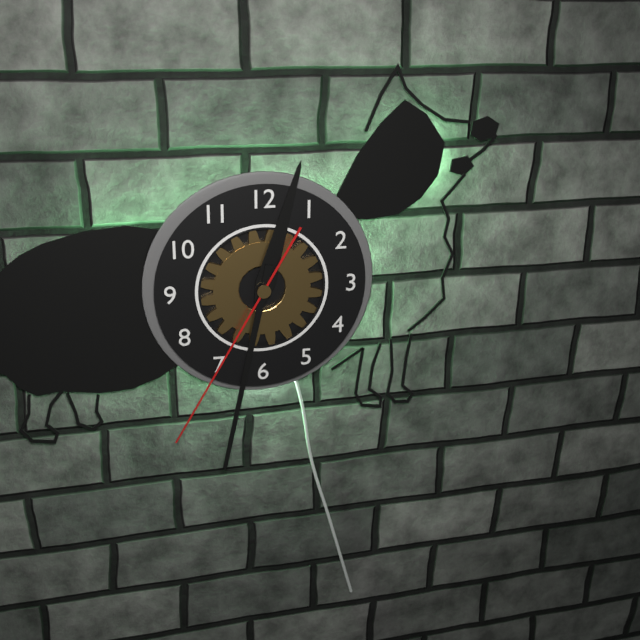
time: 12.32.35
